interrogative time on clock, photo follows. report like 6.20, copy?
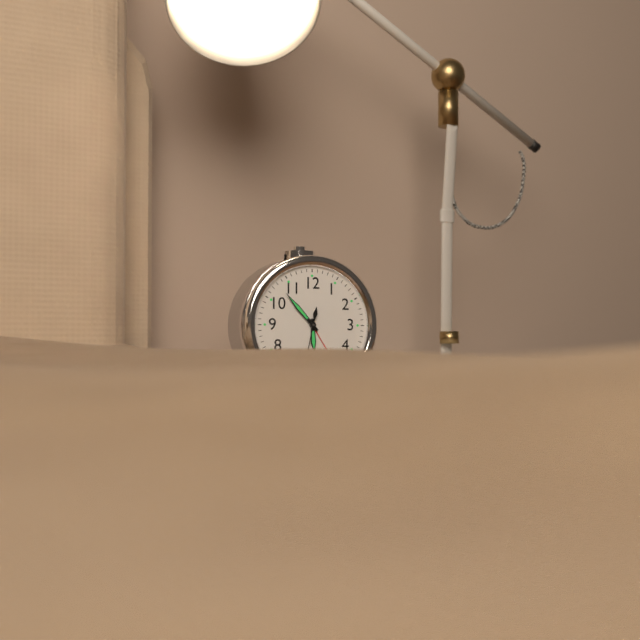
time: 5.53
